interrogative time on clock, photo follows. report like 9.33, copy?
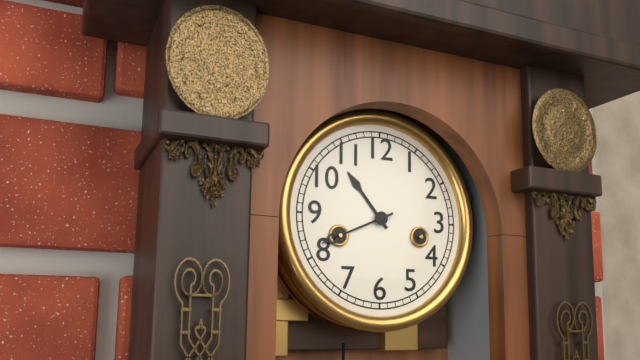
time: 10.41
